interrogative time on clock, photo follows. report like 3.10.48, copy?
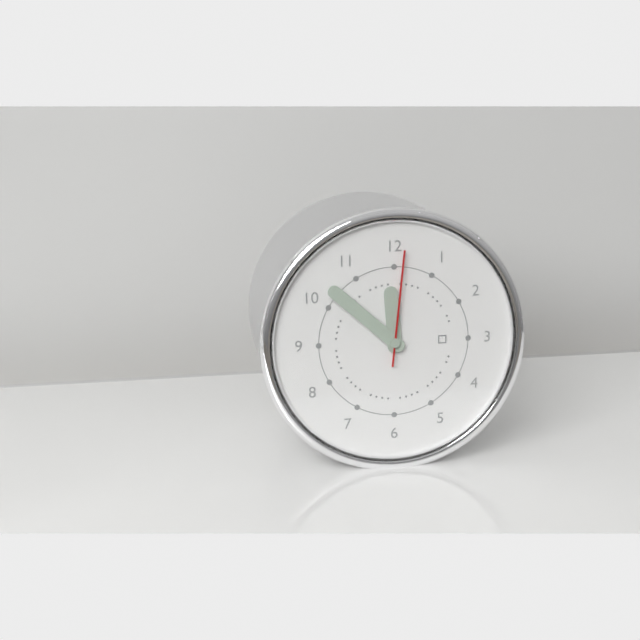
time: 11.52.01
